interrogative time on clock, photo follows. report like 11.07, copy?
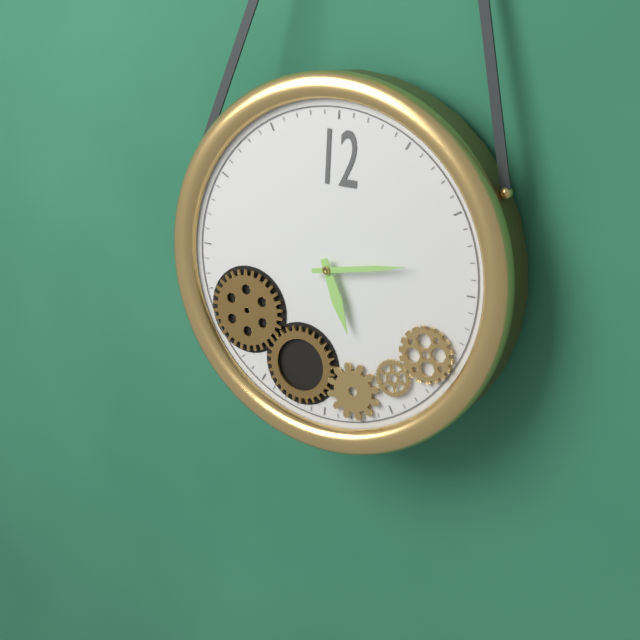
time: 5.13
